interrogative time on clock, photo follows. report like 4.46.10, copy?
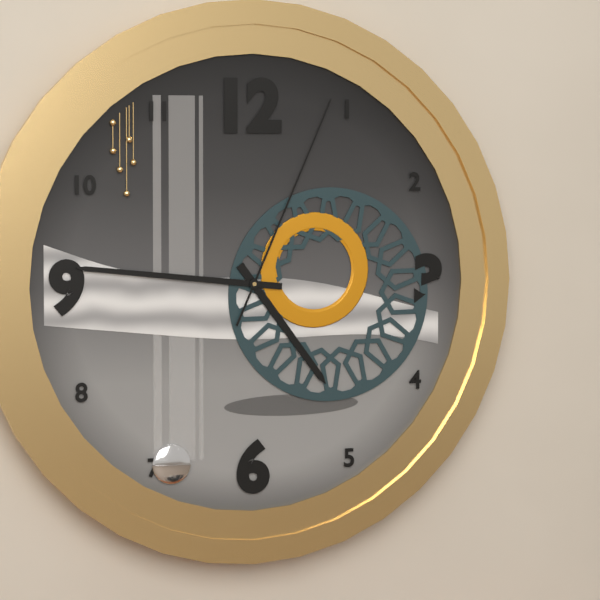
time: 4.46.04
